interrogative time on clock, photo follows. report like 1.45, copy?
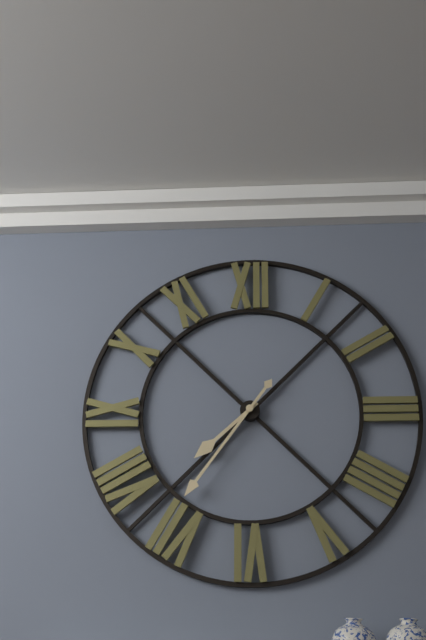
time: 7.36
